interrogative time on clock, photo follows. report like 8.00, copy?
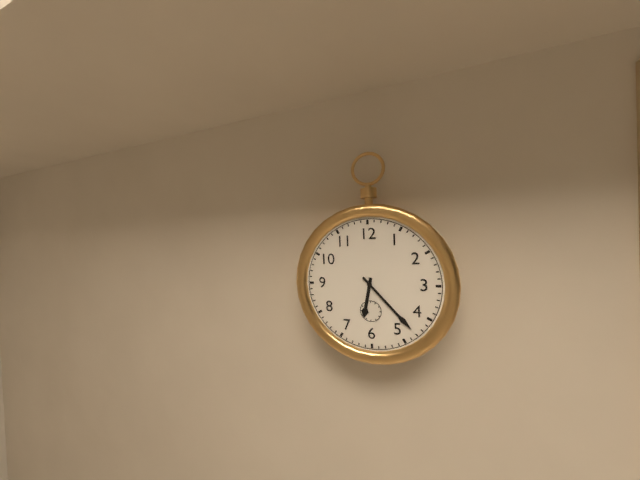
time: 6.23
